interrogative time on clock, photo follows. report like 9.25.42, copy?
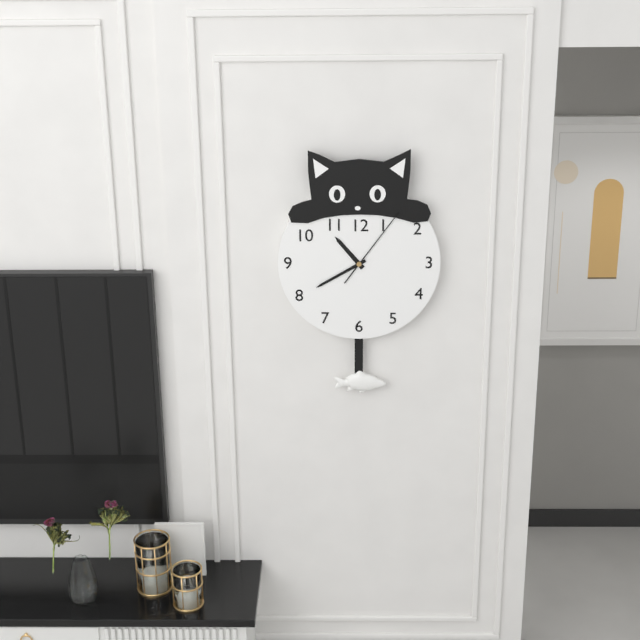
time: 10.40.06
